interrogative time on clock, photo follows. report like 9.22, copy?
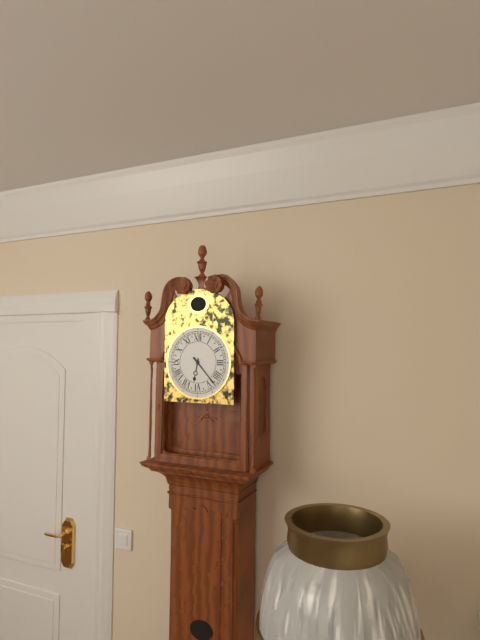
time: 6.23
